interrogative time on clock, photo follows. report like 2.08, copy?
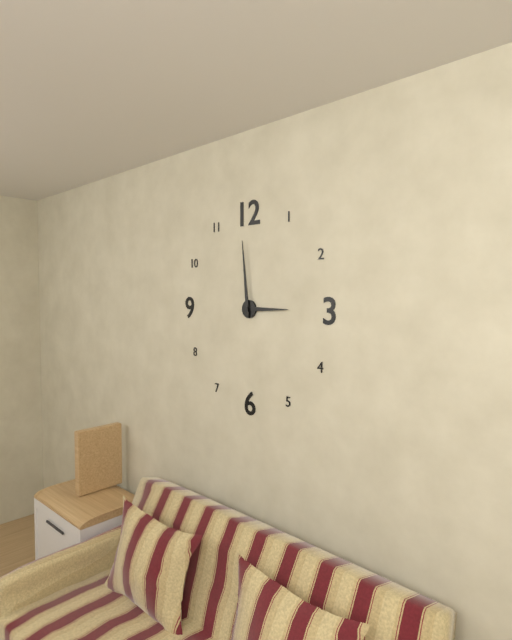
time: 2.59
